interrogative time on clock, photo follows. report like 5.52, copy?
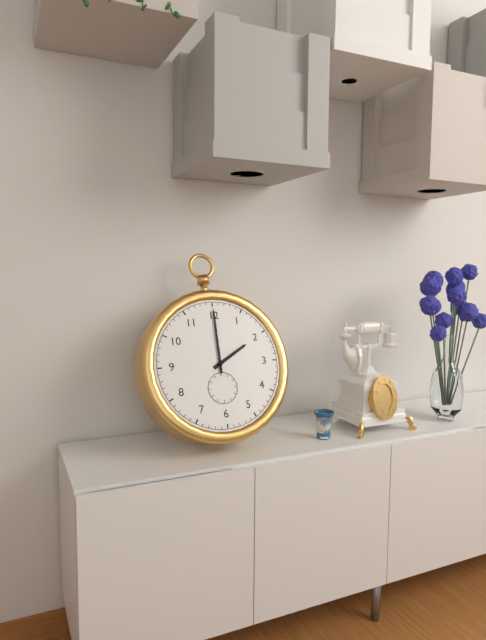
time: 2.00
